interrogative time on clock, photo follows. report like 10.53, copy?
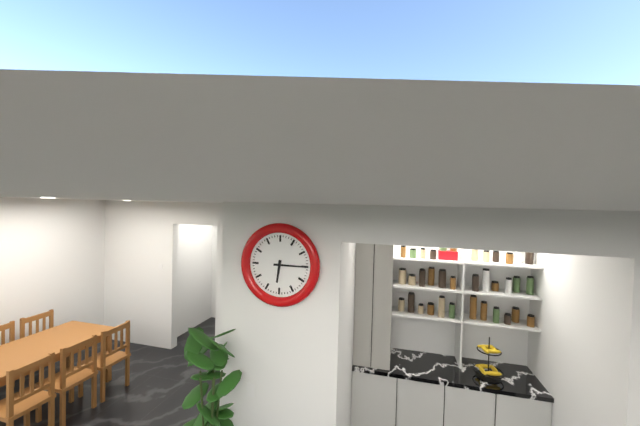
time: 6.15
